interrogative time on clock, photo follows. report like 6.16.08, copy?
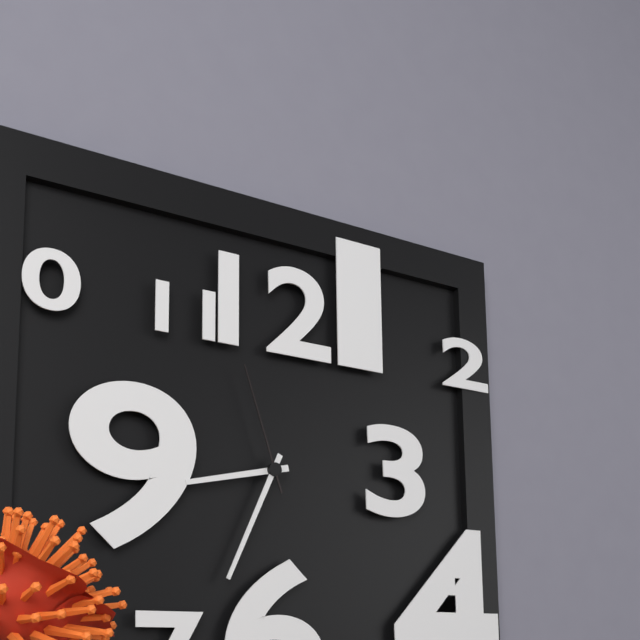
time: 8.34.57
